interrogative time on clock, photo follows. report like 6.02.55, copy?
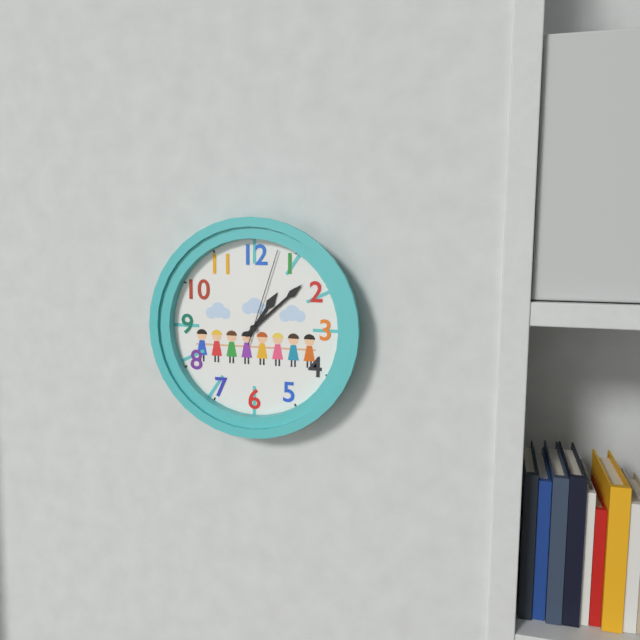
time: 1.08.03
